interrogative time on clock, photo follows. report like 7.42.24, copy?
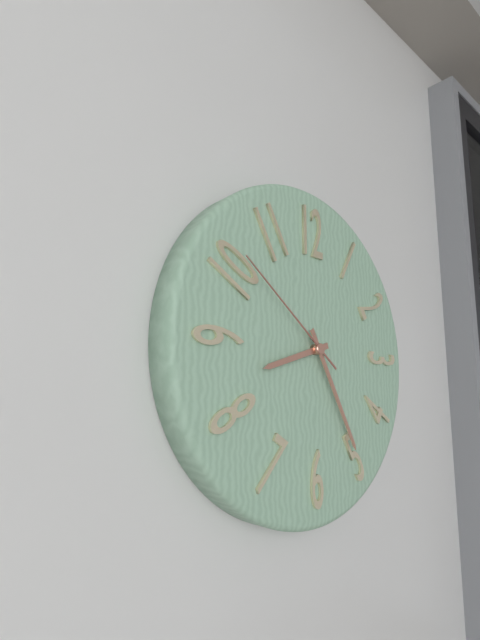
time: 8.25.51
